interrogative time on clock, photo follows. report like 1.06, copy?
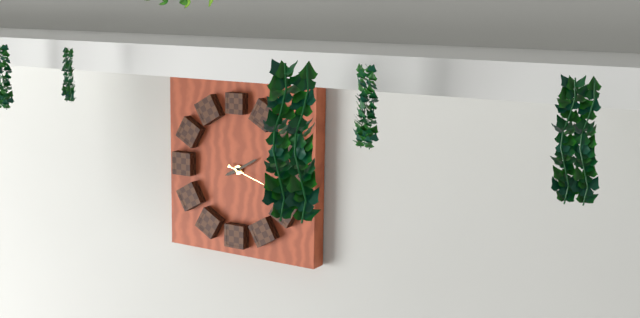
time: 8.10
